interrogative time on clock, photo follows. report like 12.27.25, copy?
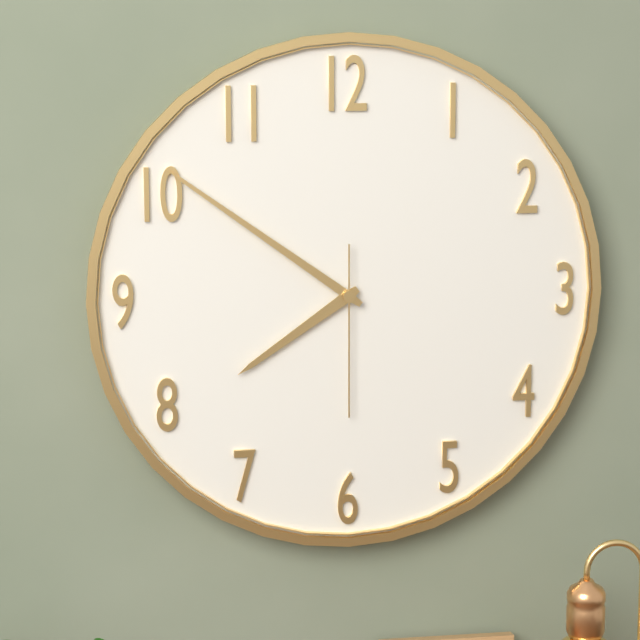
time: 7.51.30
